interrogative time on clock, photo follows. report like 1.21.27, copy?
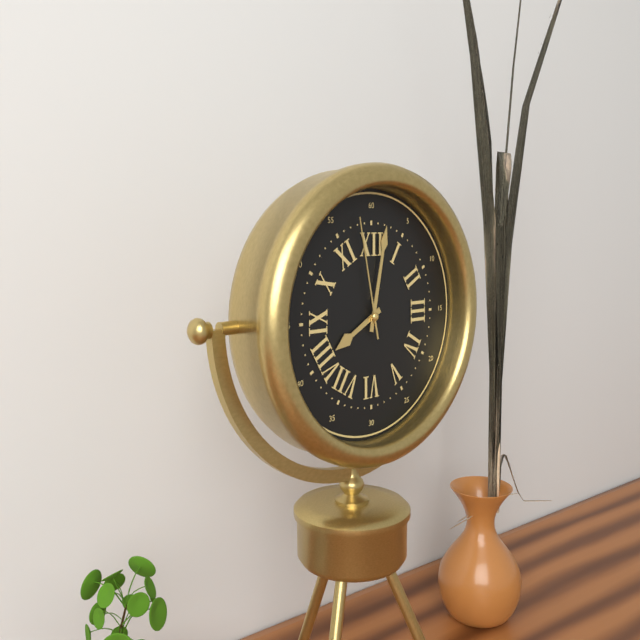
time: 8.02.58
